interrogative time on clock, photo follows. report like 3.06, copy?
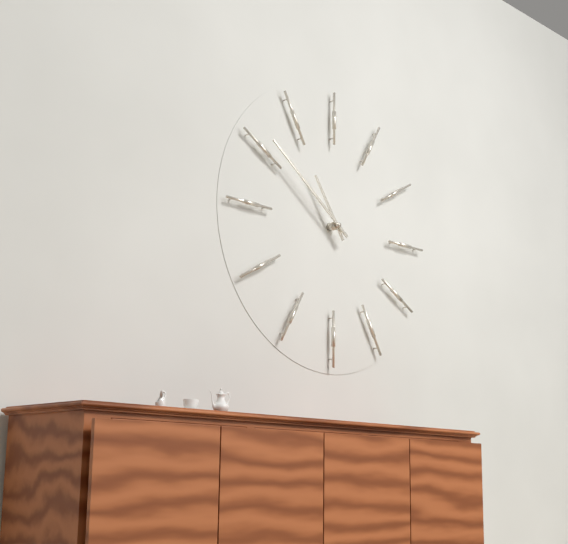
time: 10.51
